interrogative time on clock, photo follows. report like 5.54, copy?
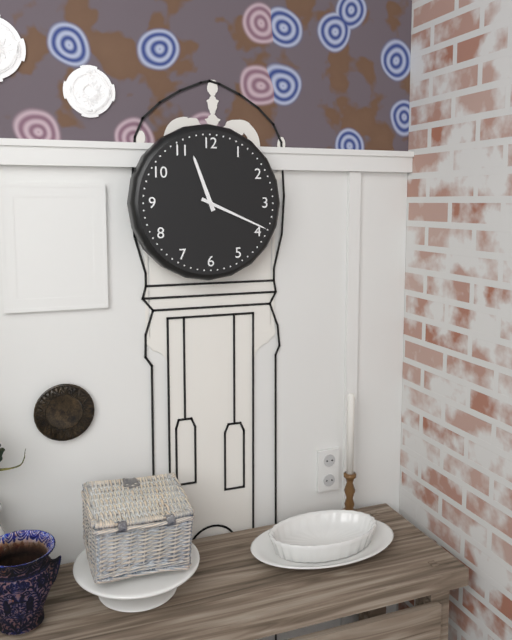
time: 11.19
